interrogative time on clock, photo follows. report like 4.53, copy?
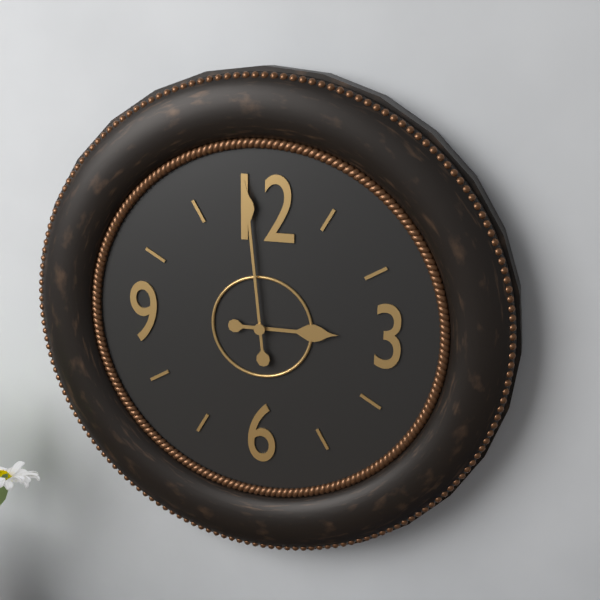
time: 2.59
